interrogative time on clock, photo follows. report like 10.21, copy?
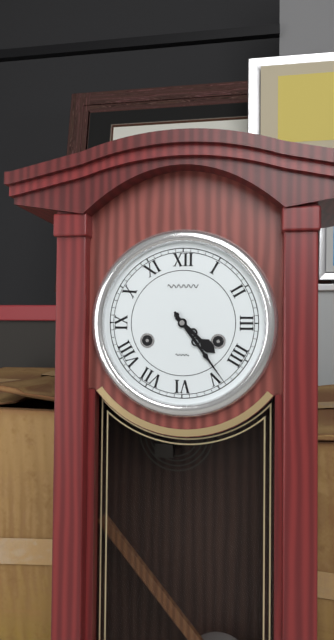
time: 4.24
